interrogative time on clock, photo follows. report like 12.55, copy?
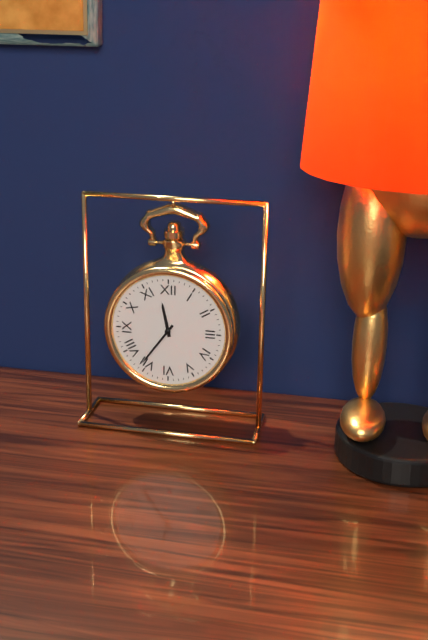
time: 11.36
